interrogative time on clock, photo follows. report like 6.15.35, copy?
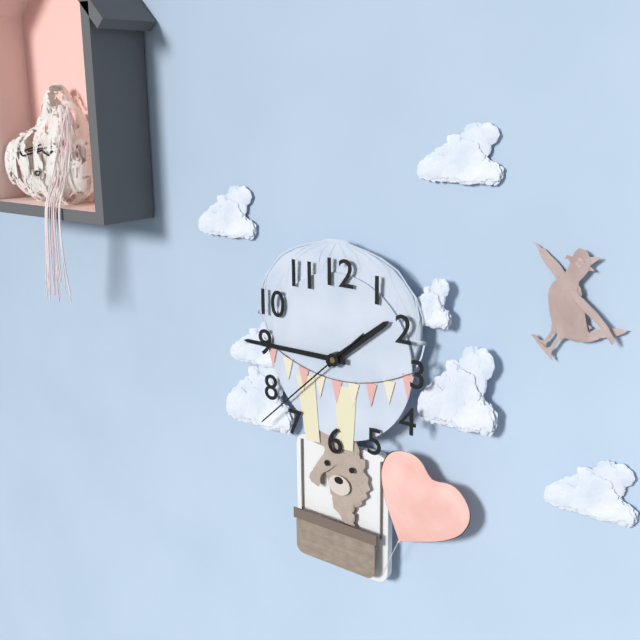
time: 1.45.38
